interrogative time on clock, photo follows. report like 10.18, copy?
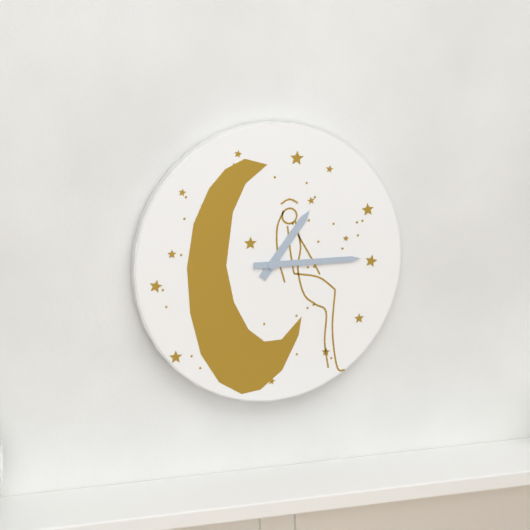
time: 1.15
